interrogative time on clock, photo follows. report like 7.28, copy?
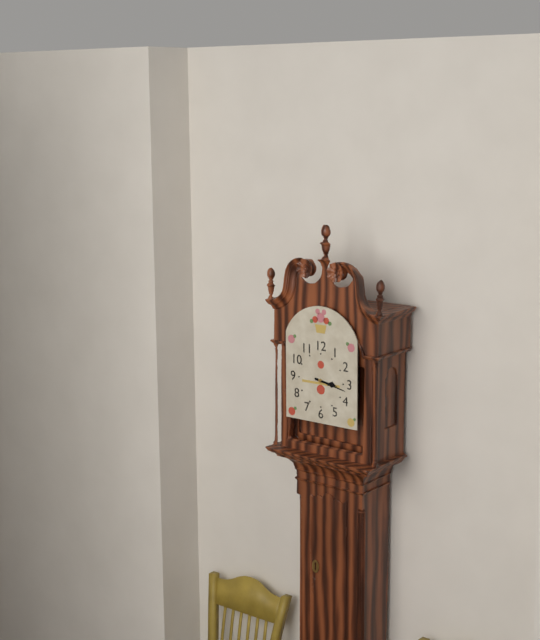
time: 3.17
